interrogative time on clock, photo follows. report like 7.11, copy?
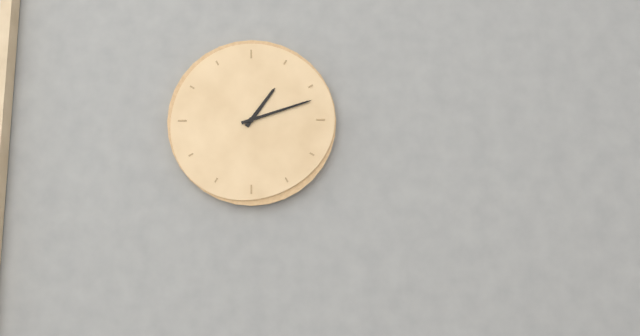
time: 1.12
